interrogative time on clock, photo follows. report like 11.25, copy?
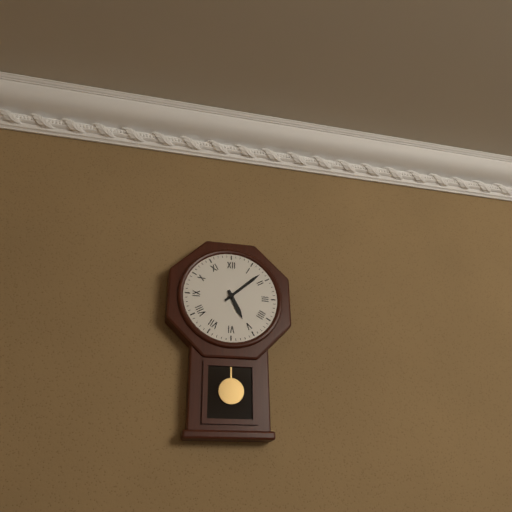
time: 5.08
